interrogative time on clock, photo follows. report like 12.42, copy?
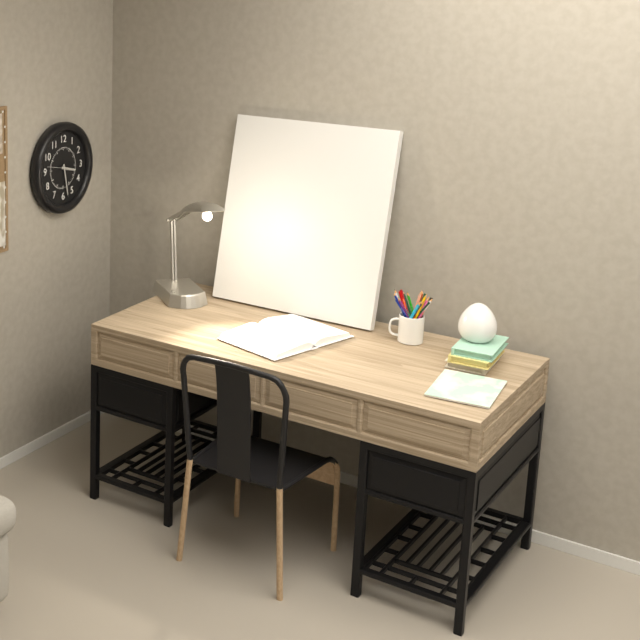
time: 3.28
